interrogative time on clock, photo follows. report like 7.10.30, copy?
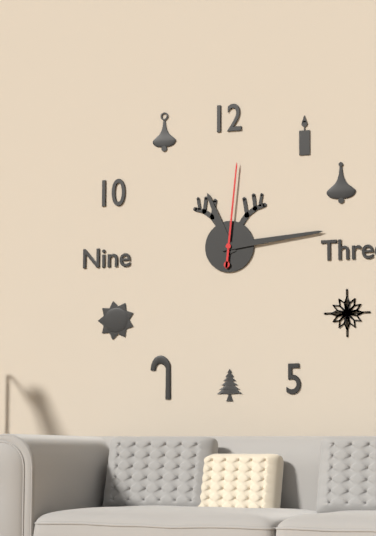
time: 11.14.01
